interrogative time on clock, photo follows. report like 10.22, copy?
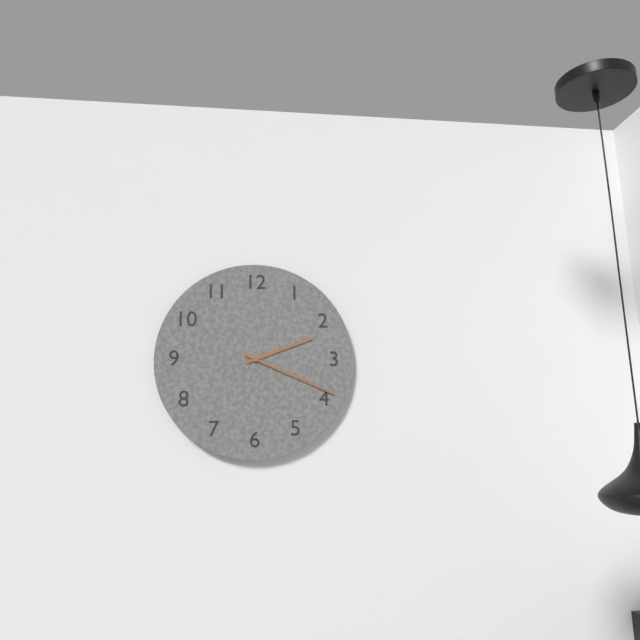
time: 2.19
